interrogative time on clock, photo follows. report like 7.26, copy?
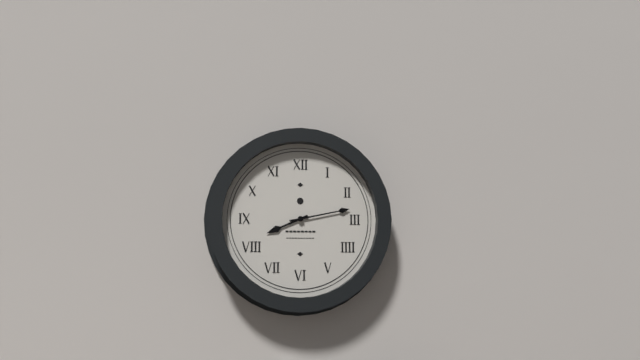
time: 8.13
